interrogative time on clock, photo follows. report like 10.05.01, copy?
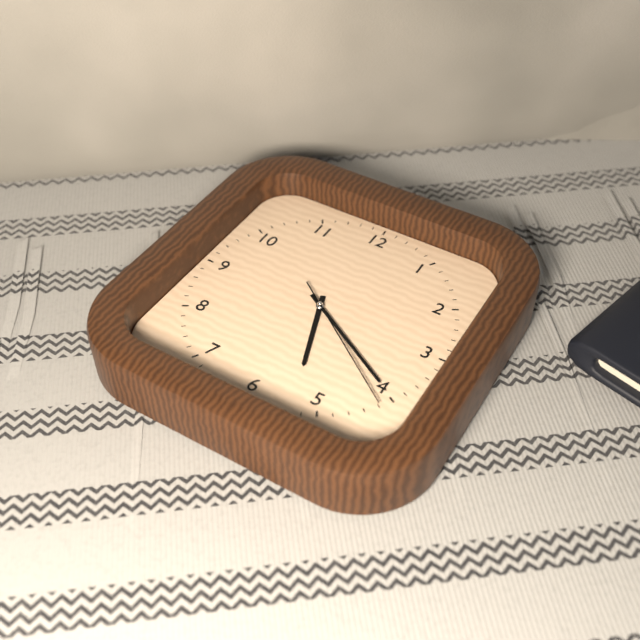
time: 5.20.21
